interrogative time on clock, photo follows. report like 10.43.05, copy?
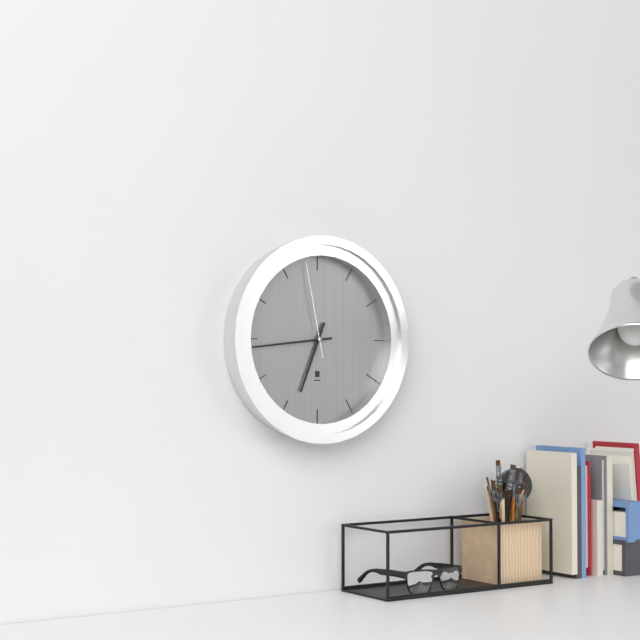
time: 6.44.58
